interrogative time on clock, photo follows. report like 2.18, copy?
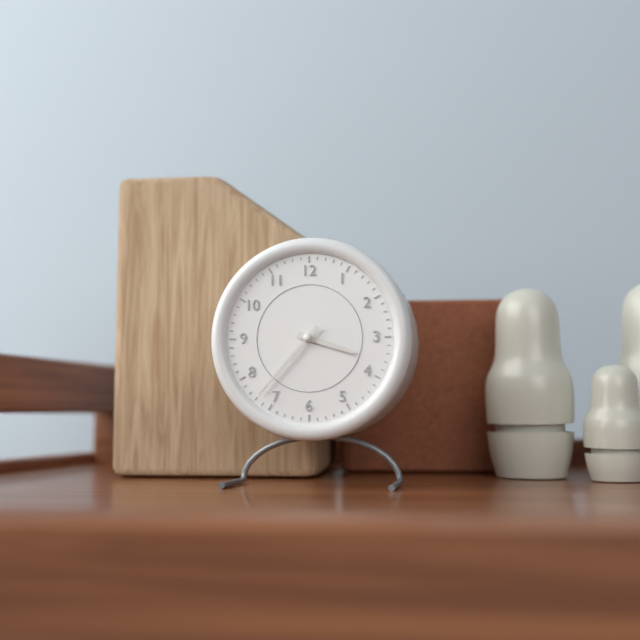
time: 3.37
